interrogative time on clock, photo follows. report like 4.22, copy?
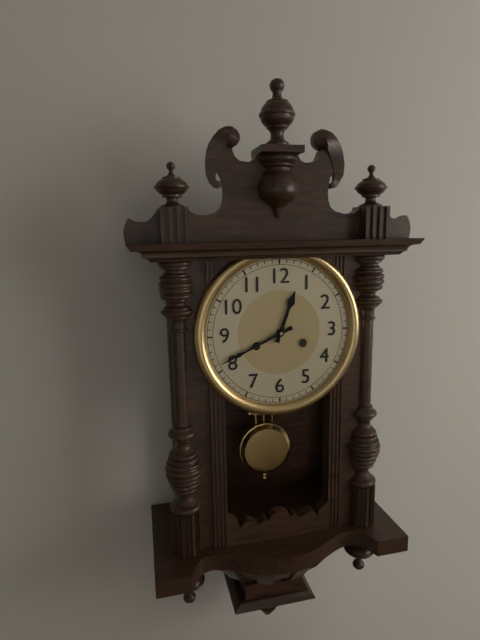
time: 12.41
